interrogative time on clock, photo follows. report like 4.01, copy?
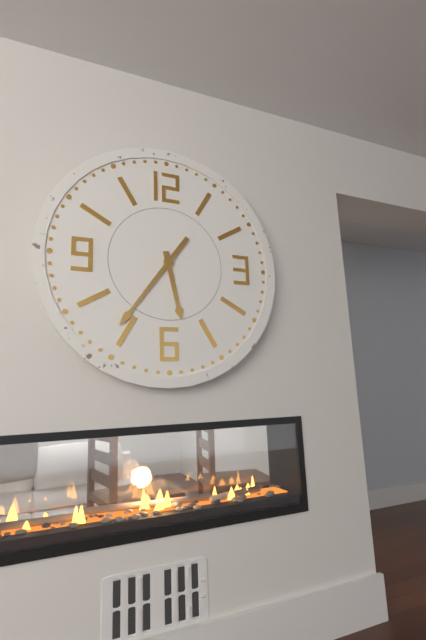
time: 5.36
